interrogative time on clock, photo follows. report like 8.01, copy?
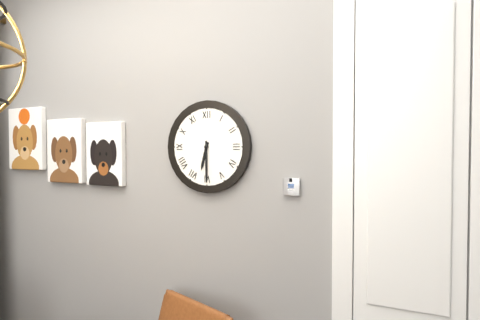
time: 6.30
